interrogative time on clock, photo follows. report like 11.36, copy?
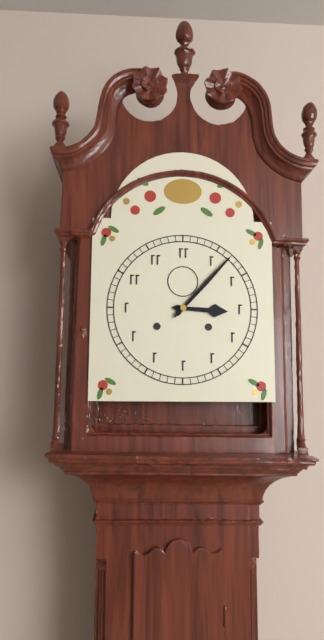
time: 3.07
